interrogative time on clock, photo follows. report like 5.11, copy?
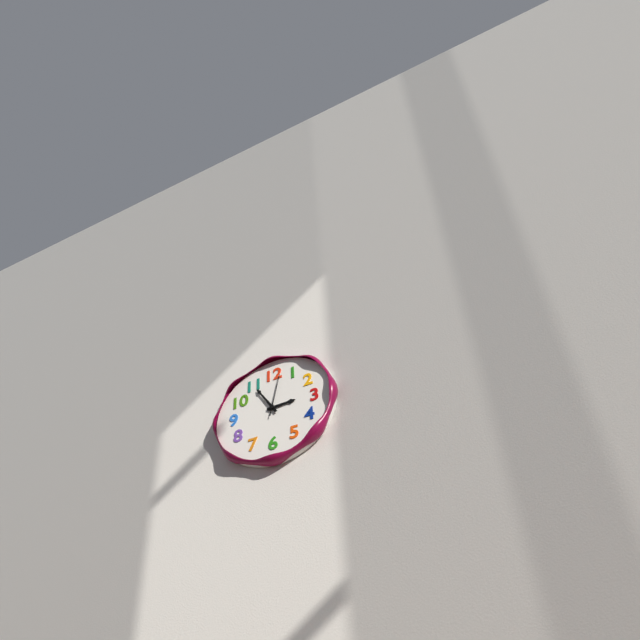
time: 2.55
